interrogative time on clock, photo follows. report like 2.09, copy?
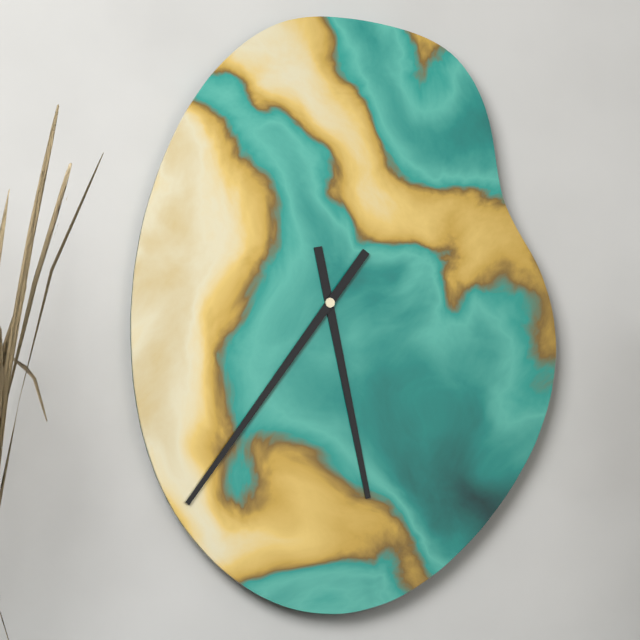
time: 5.36
